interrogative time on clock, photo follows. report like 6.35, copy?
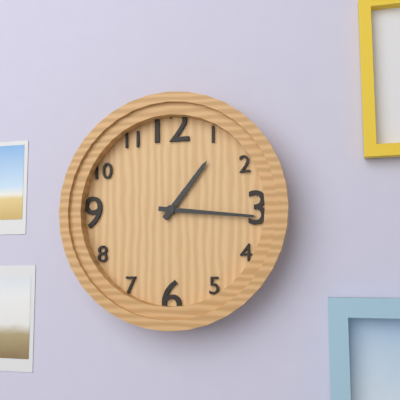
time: 1.16
